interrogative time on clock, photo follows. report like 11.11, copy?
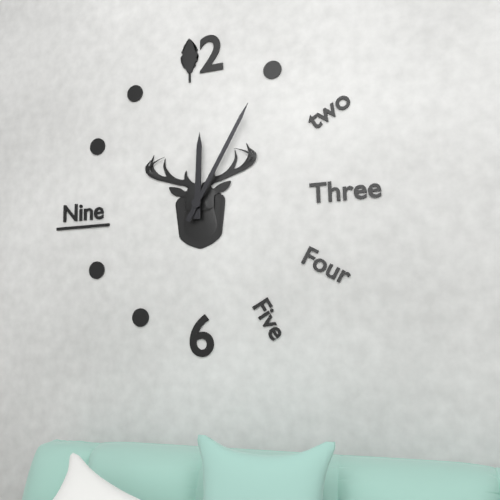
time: 12.05
